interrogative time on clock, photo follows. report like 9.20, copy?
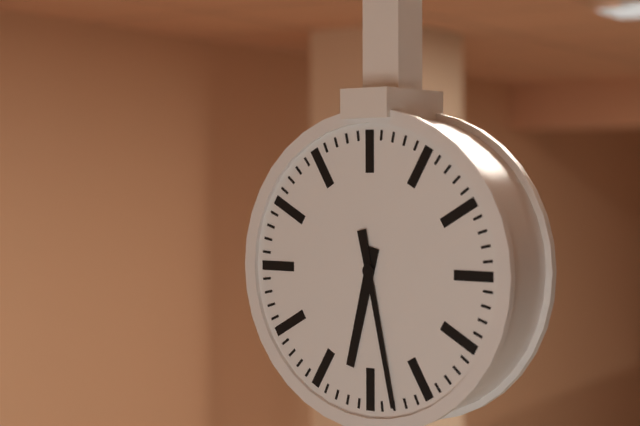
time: 6.28
